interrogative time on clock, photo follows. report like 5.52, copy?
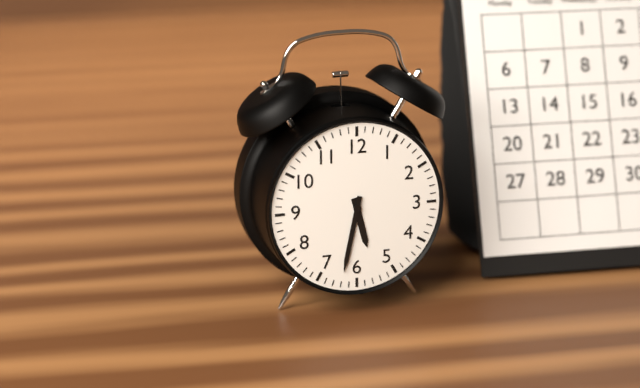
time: 5.32
